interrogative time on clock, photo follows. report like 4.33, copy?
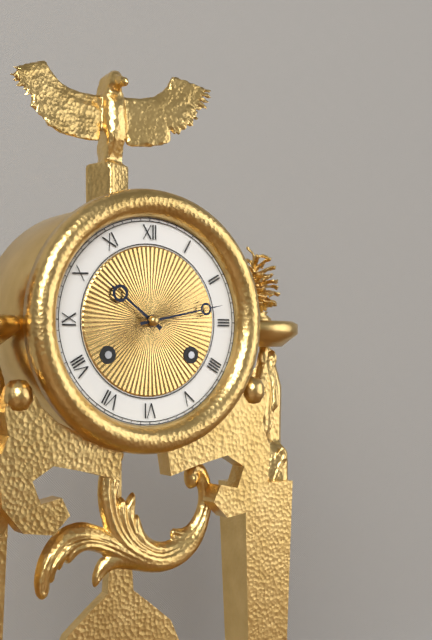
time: 10.13
